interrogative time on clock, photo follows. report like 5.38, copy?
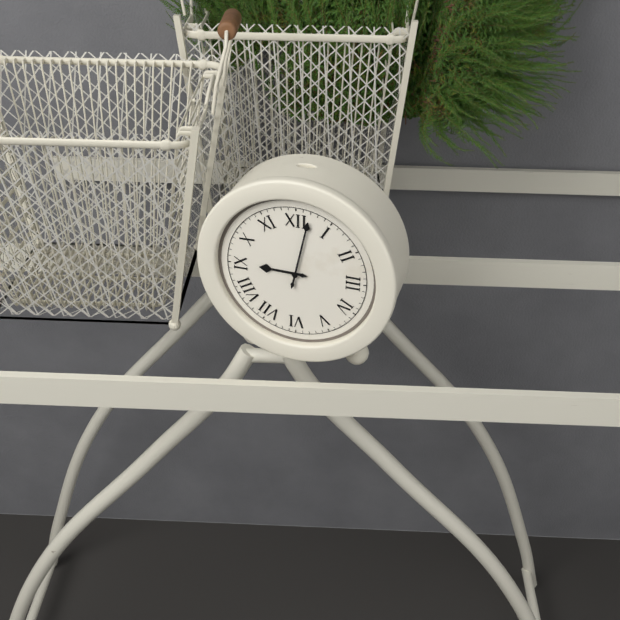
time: 9.02
